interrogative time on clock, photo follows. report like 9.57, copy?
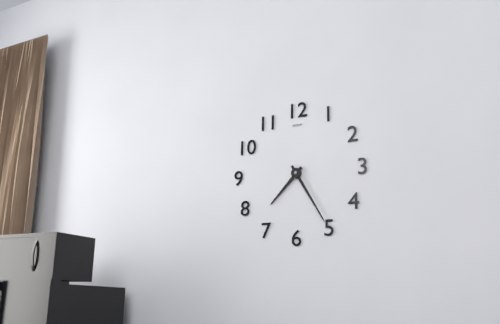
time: 7.25
